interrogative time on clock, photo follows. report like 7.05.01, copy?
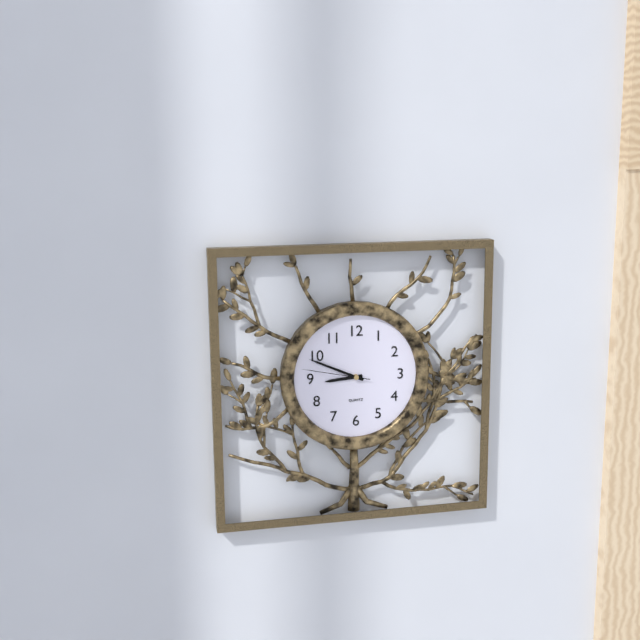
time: 8.49.47
